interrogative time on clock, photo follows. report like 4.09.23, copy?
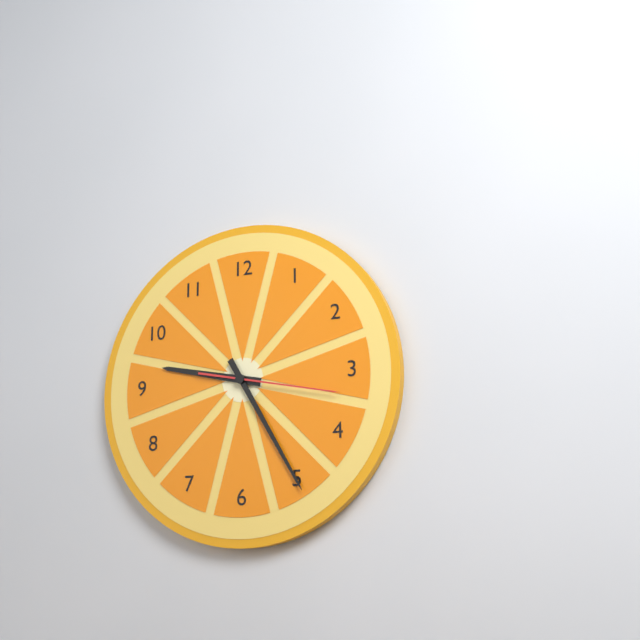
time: 9.25.17
